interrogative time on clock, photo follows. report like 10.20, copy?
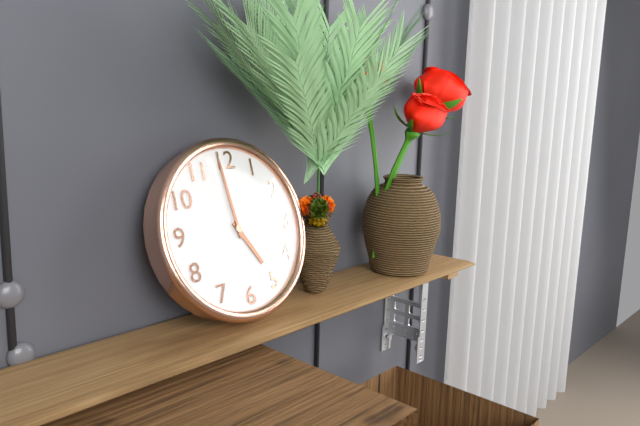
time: 4.59
